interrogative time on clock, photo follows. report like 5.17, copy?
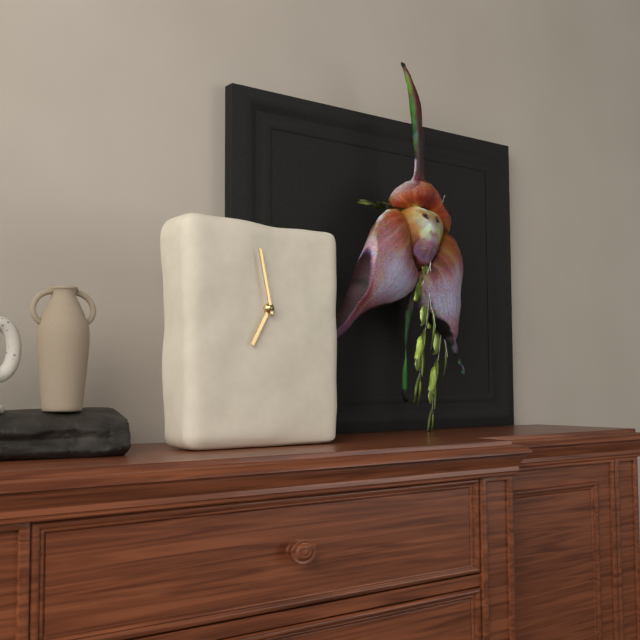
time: 6.58
